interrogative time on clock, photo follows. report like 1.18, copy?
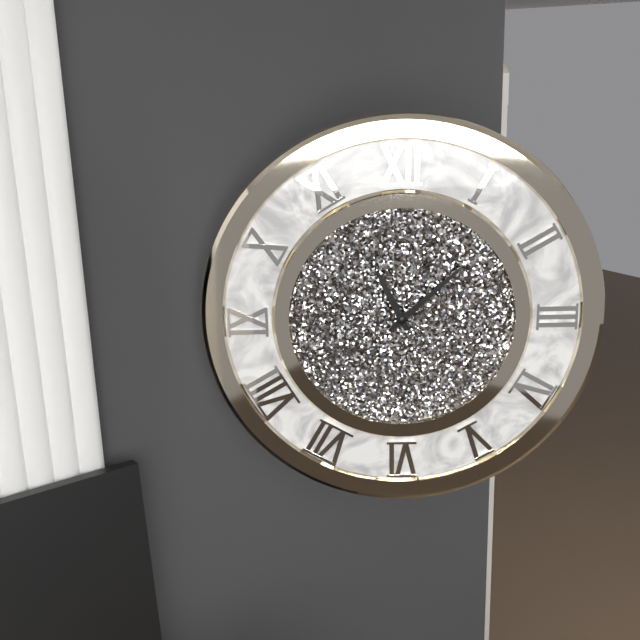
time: 11.08
